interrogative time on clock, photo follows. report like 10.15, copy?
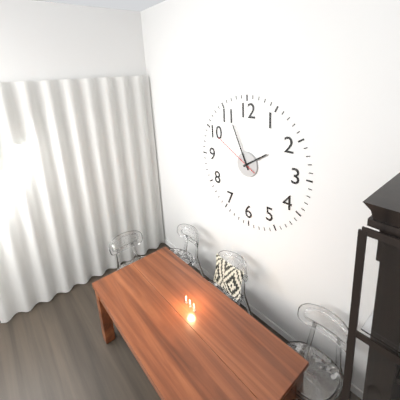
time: 1.56
